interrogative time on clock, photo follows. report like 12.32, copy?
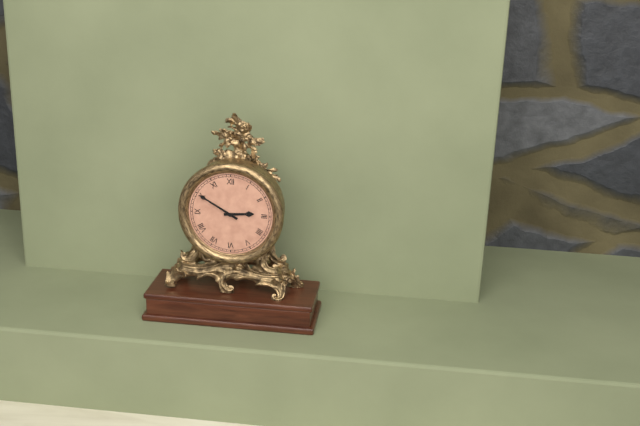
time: 2.50
